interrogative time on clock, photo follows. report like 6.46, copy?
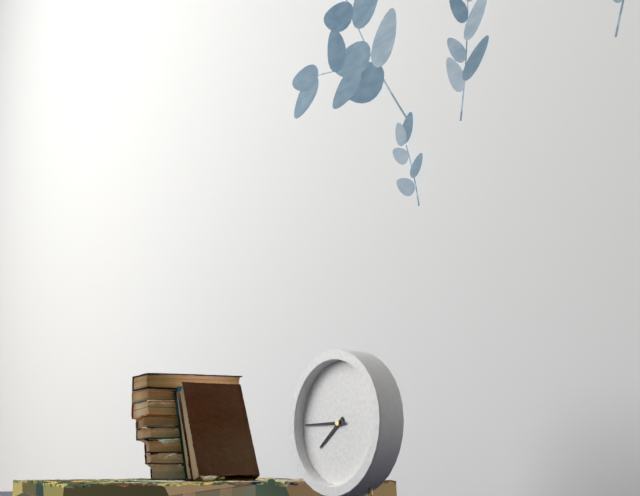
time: 7.45
